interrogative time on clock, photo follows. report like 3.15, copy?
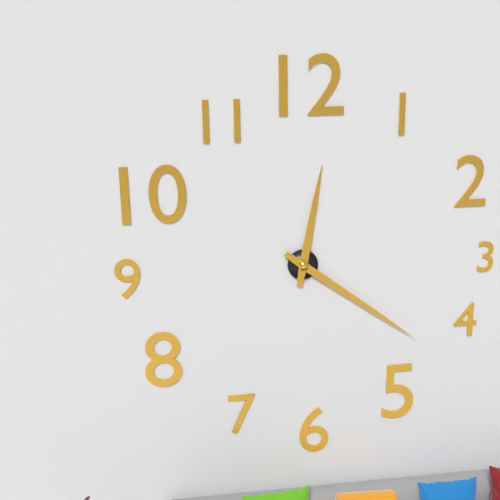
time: 12.21
